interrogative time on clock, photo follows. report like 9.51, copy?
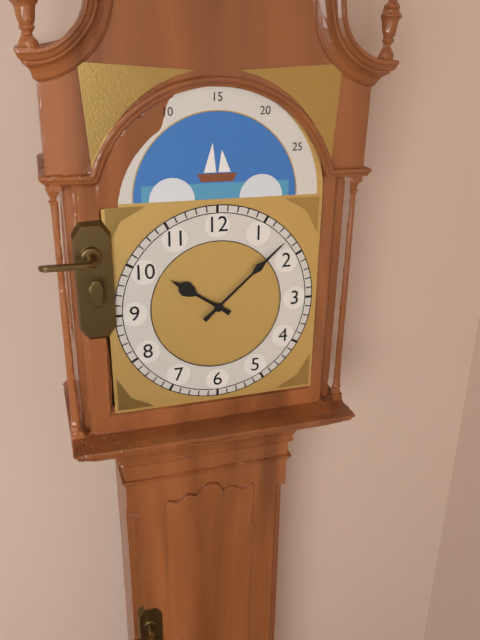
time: 10.08
